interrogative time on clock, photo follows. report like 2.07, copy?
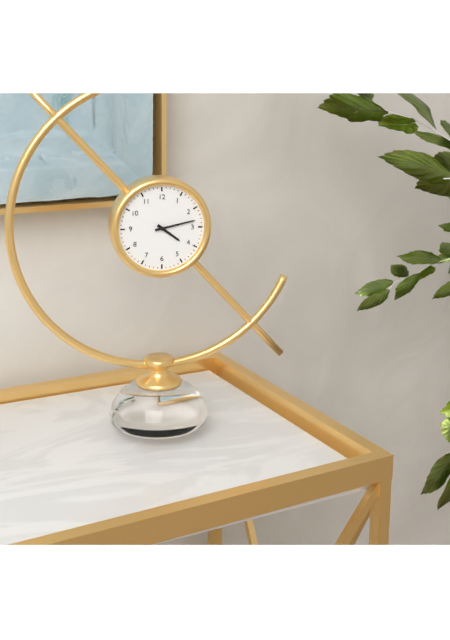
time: 4.13
